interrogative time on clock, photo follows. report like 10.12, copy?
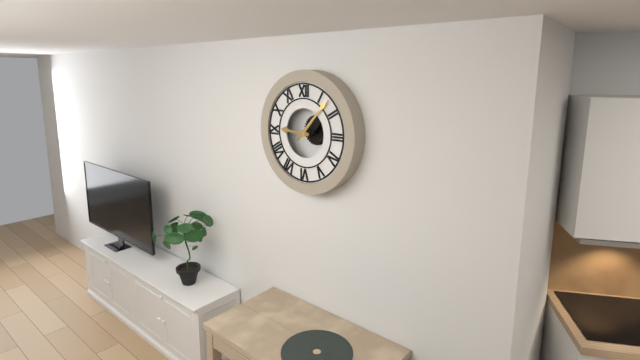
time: 9.07
